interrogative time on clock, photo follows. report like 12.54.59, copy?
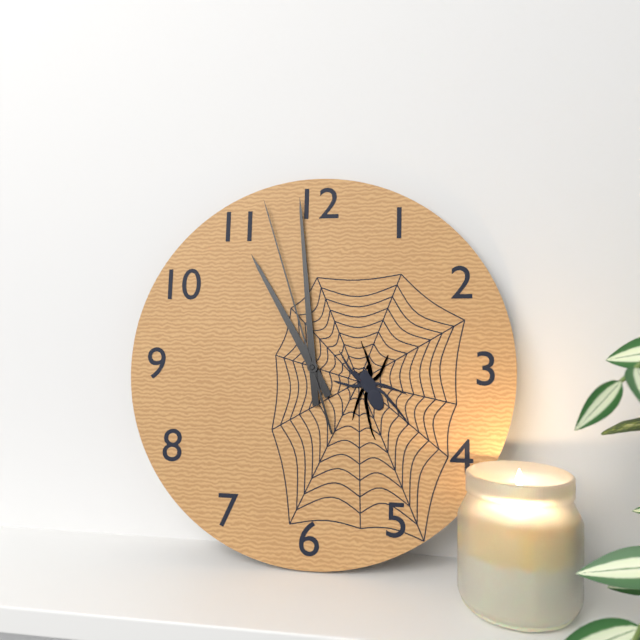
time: 10.59.57
